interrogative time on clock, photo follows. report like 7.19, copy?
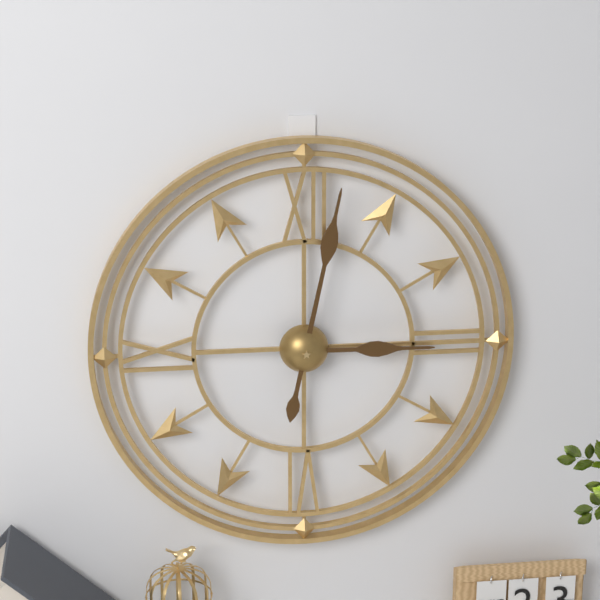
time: 3.02
